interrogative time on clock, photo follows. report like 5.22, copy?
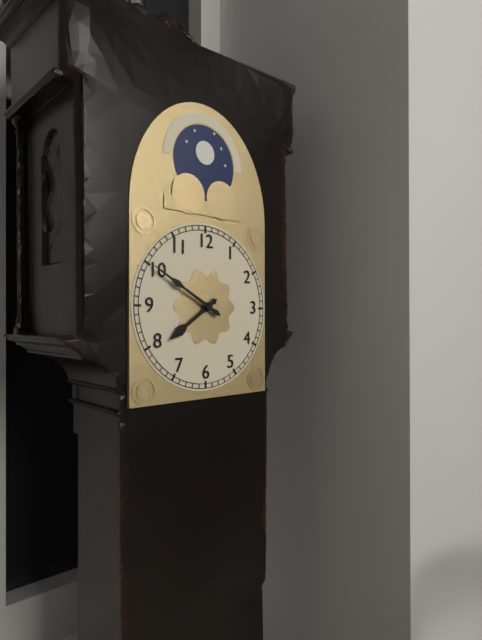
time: 7.50
